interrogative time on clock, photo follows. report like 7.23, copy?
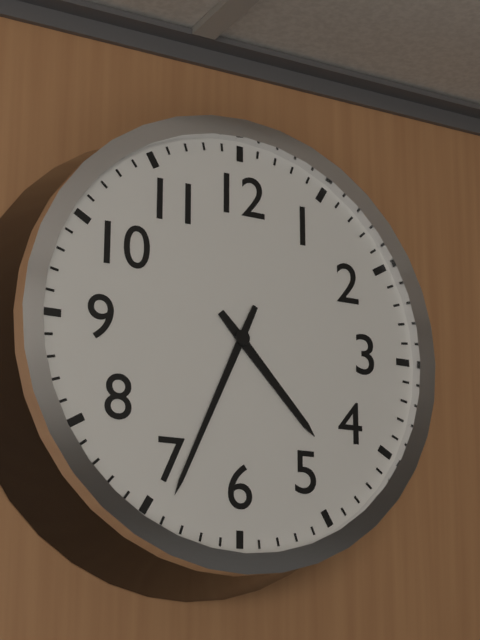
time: 4.34
